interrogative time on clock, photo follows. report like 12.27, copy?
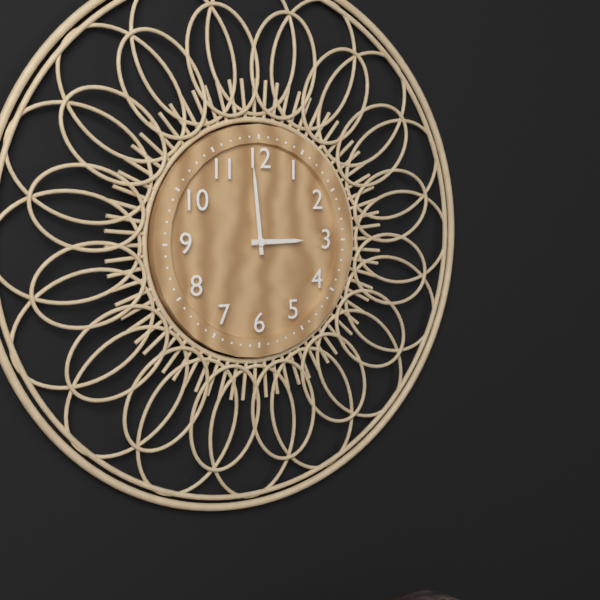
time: 2.59
